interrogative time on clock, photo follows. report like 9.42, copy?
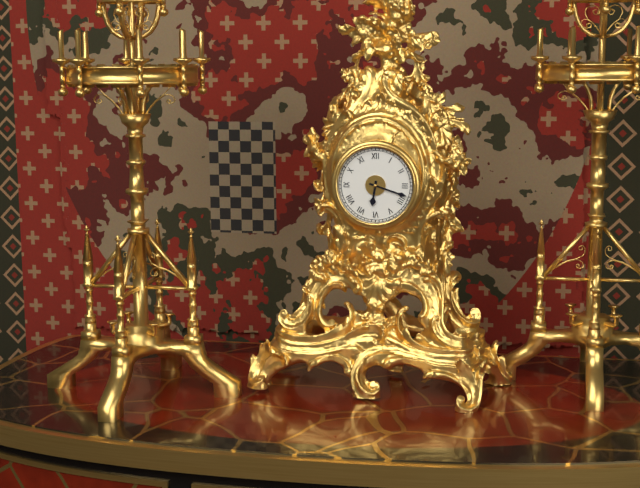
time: 6.18
